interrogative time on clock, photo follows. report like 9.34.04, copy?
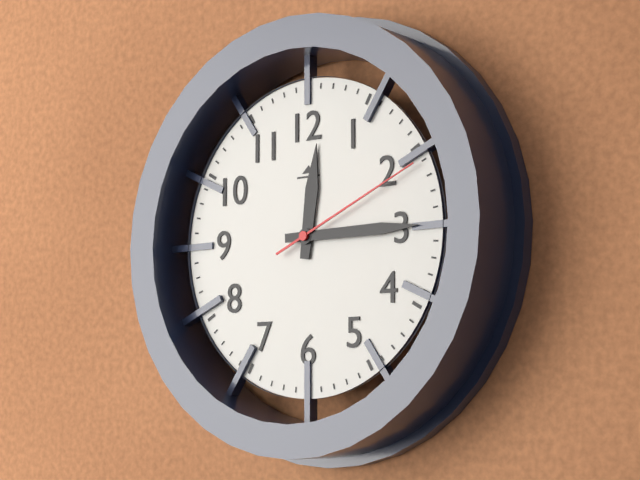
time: 12.15.11
